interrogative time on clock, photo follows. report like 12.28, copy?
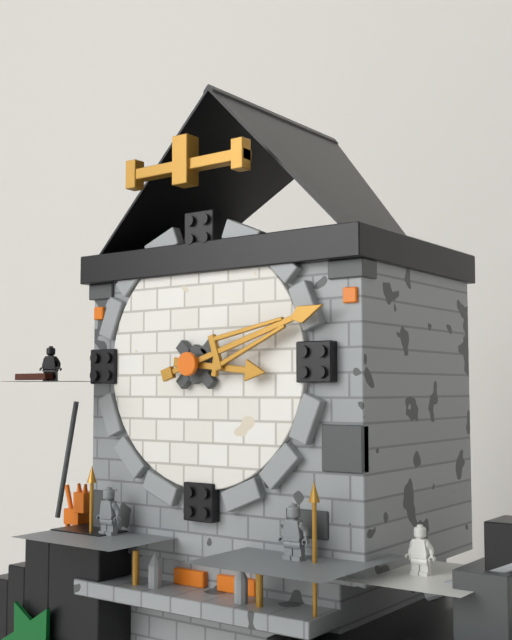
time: 3.12
